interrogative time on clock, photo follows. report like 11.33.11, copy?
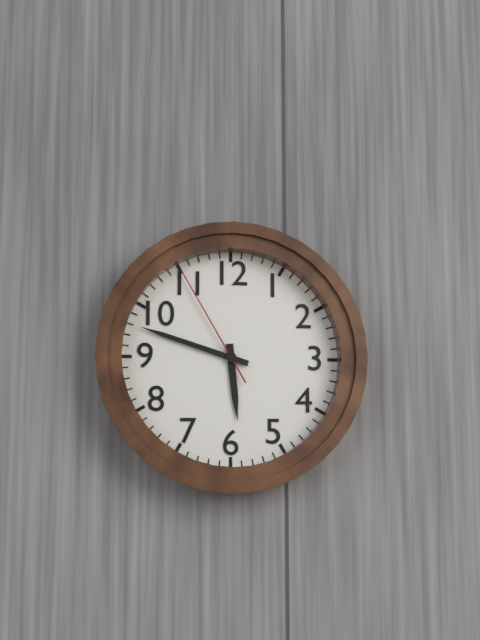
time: 5.48.55
